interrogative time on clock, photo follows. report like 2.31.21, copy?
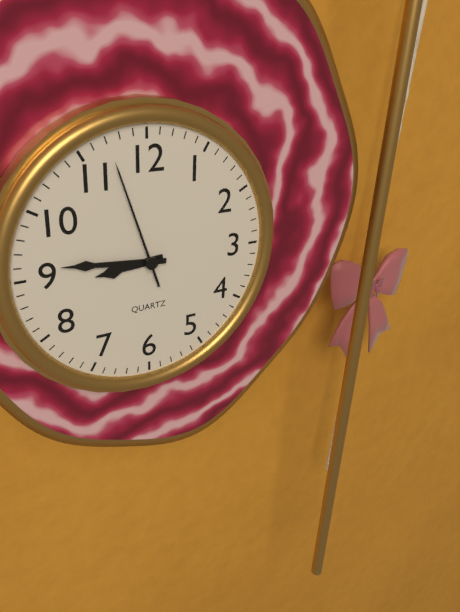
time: 8.46.57
